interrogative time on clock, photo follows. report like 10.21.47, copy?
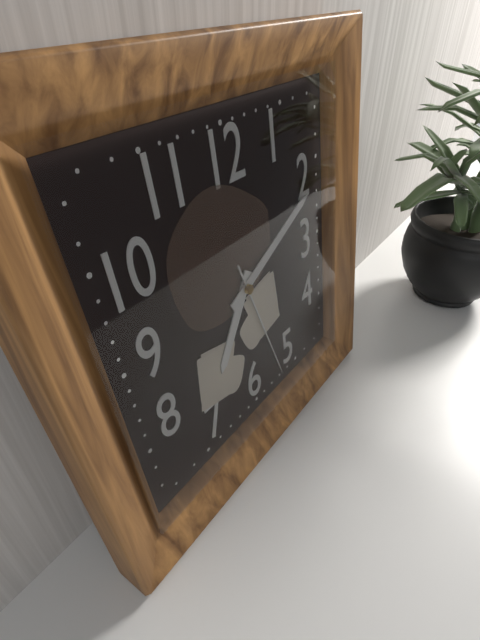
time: 7.11.27
